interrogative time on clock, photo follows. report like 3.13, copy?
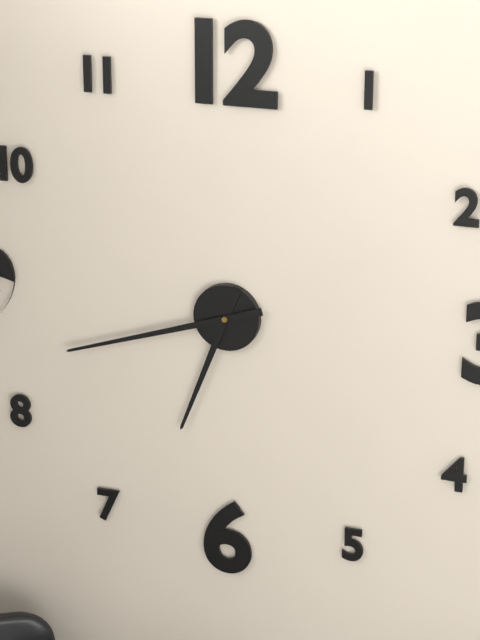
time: 6.42
